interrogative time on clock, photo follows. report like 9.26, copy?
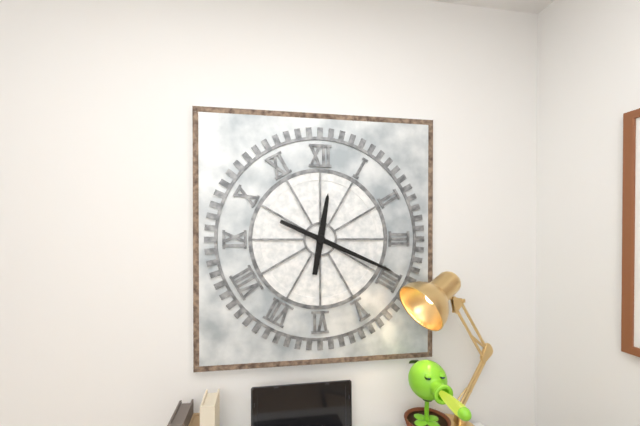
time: 12.19
